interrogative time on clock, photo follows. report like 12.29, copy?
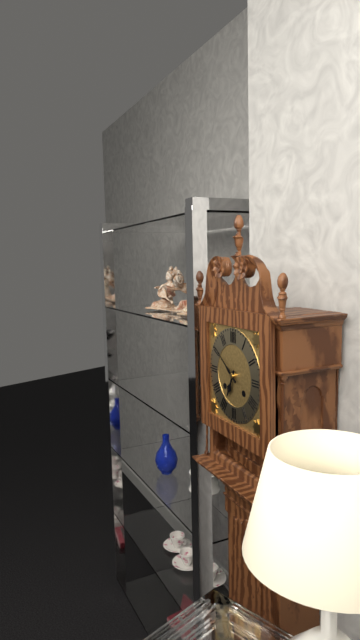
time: 6.51
